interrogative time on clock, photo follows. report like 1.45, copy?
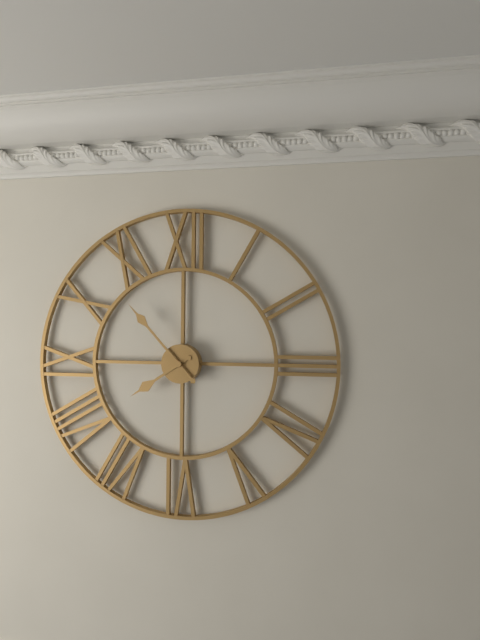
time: 7.53
